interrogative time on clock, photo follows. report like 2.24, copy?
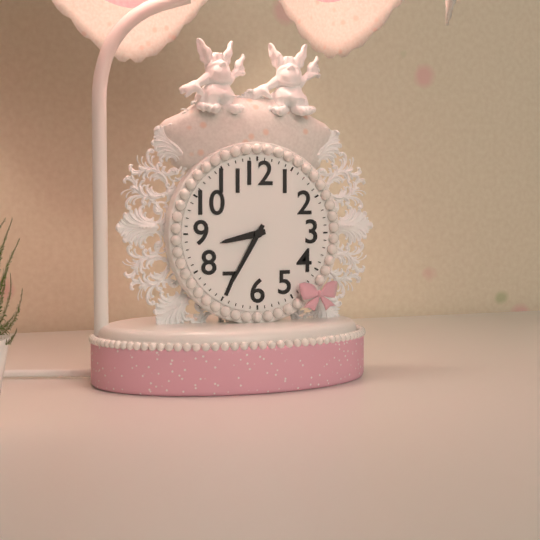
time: 8.35
